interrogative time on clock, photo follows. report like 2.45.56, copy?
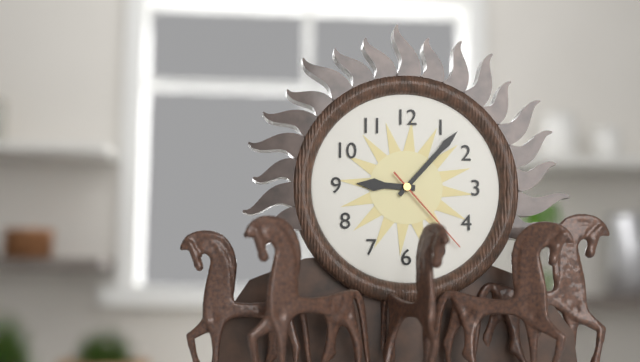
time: 9.07.23
